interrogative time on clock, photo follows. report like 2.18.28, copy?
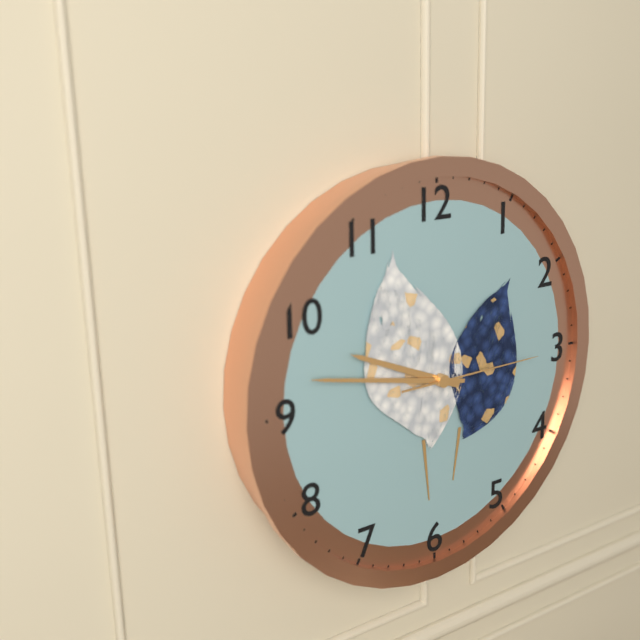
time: 9.47.15
